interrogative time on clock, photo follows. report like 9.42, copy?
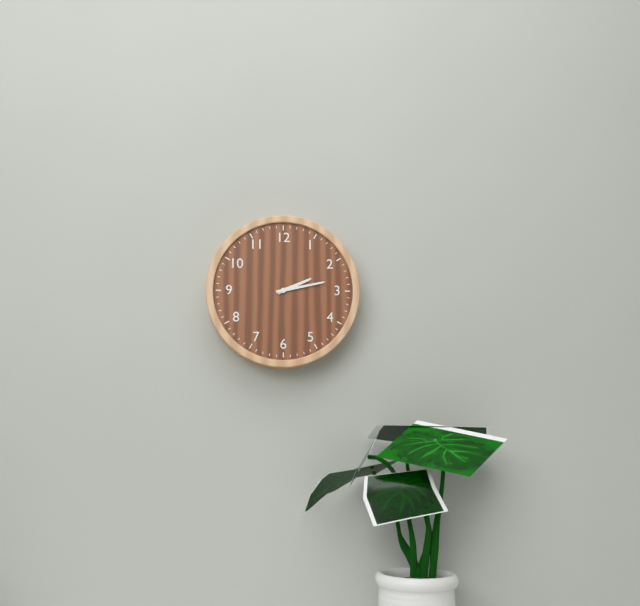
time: 2.13
